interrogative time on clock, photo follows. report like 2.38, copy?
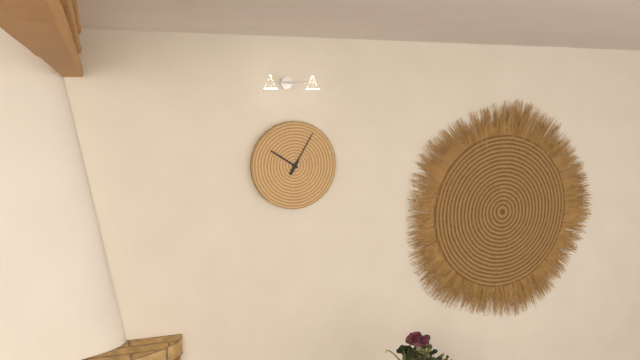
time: 10.05
